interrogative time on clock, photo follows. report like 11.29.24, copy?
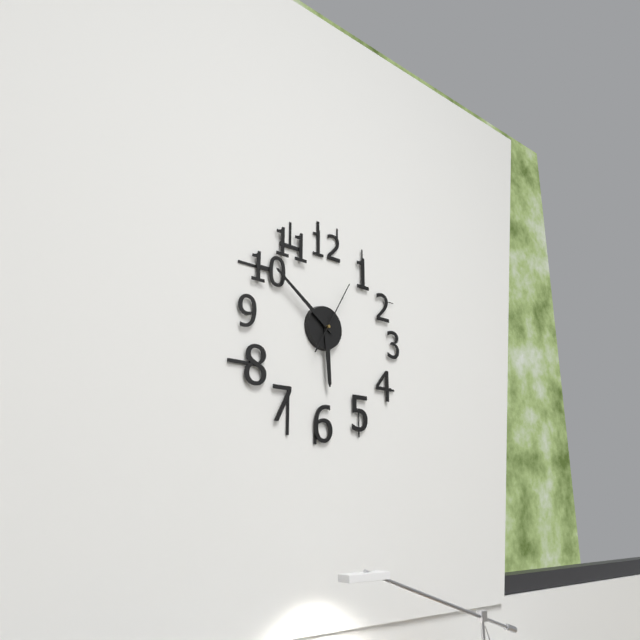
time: 5.51.05
